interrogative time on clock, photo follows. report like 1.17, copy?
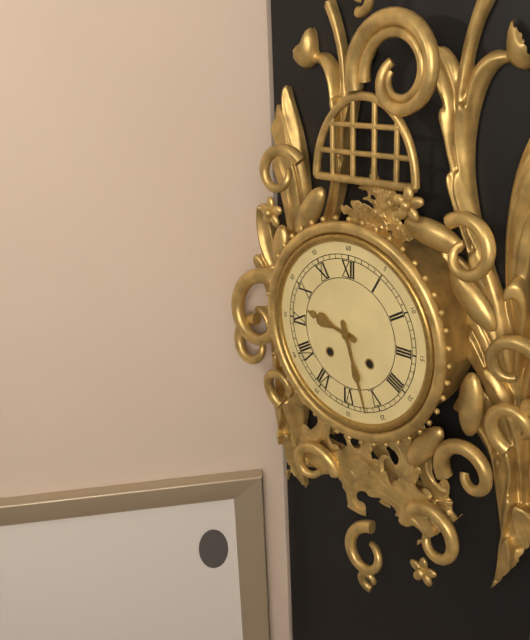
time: 9.27
